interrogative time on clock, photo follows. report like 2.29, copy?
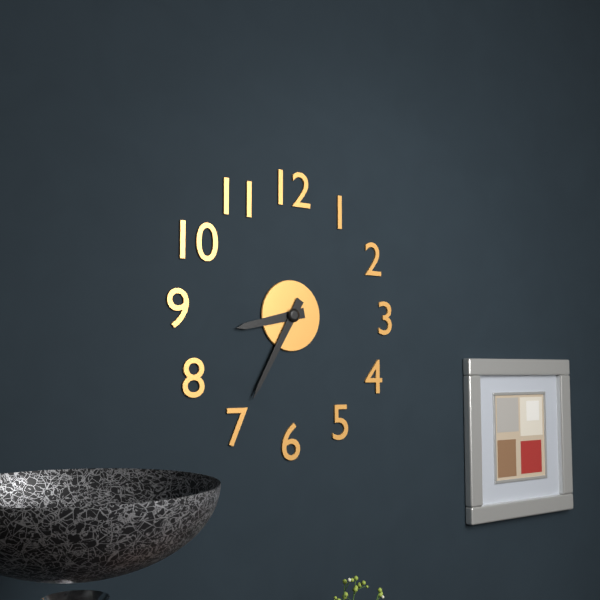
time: 8.35
